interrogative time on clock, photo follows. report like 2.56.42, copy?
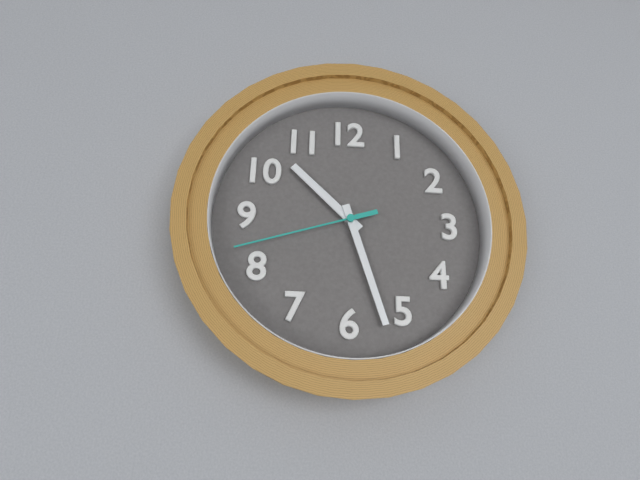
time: 10.27.42
